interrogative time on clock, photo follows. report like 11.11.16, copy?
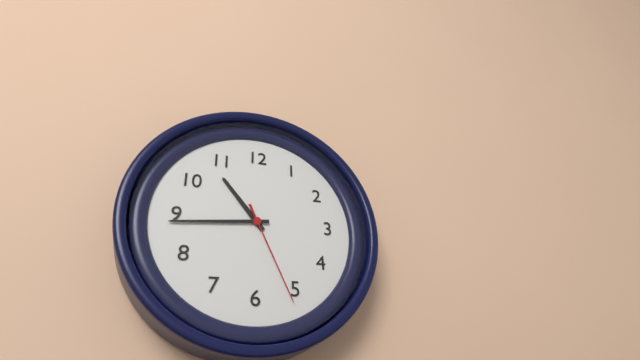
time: 10.44.26
